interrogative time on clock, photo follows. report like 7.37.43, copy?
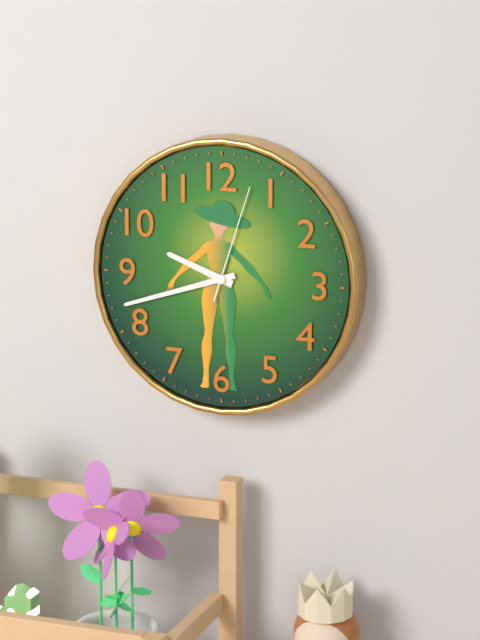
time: 9.42.03
